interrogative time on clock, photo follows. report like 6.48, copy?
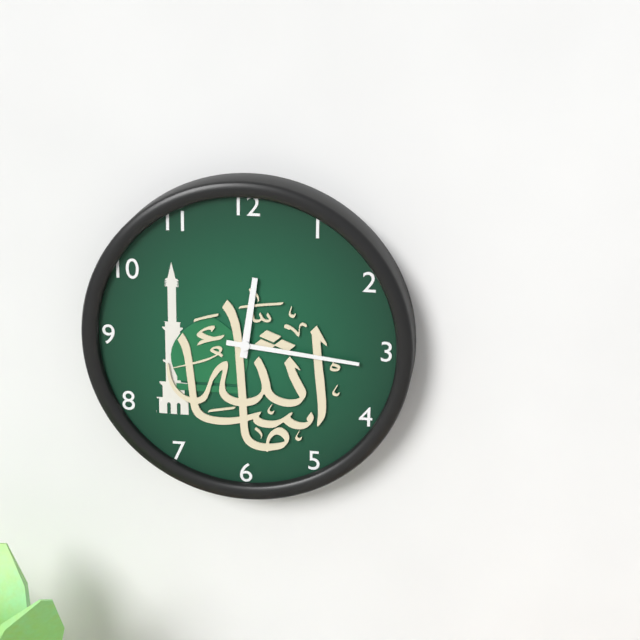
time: 12.16
